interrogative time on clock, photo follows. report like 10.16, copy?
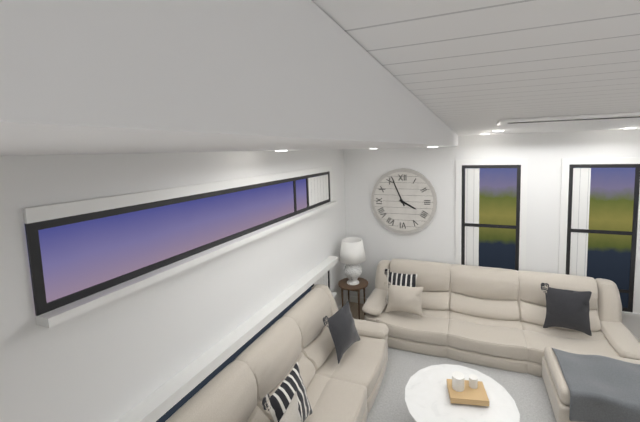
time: 3.56
